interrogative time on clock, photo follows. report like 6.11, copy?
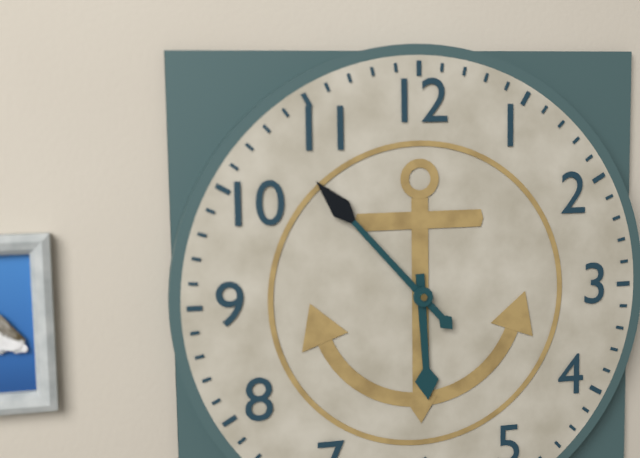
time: 5.53
